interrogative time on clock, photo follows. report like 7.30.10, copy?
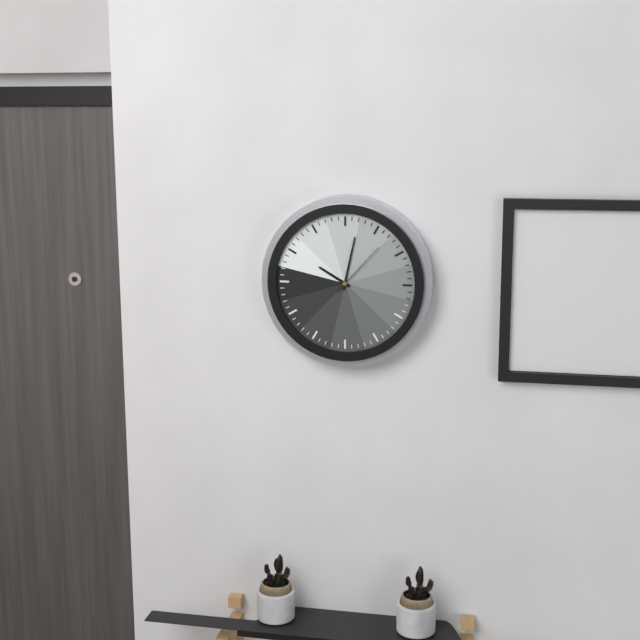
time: 10.02.07
